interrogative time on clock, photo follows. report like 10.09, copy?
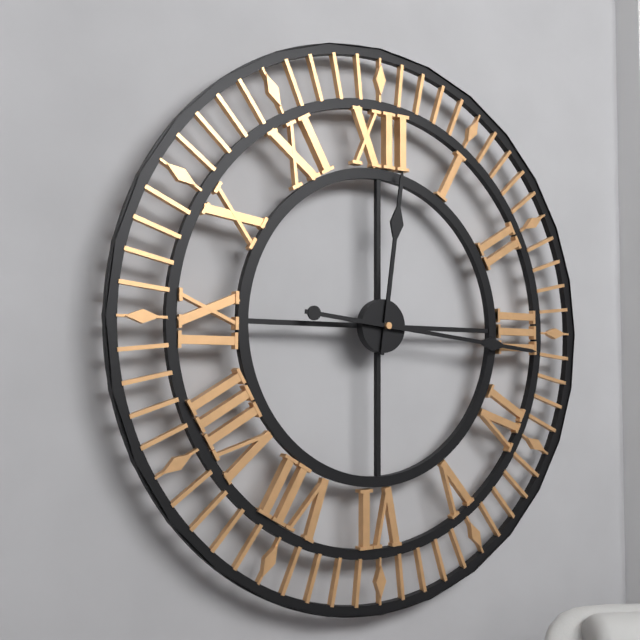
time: 12.16
